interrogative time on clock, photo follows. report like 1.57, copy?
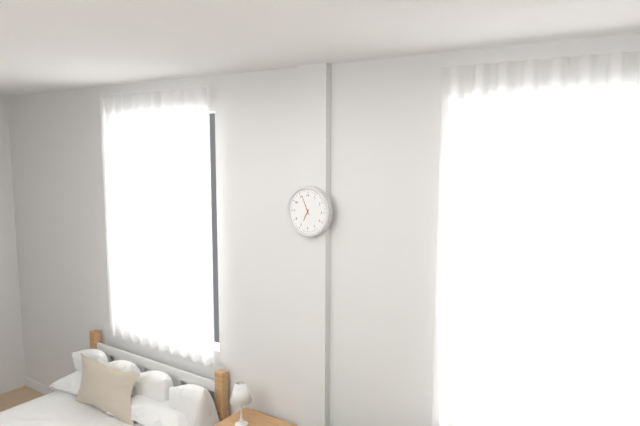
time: 6.56
